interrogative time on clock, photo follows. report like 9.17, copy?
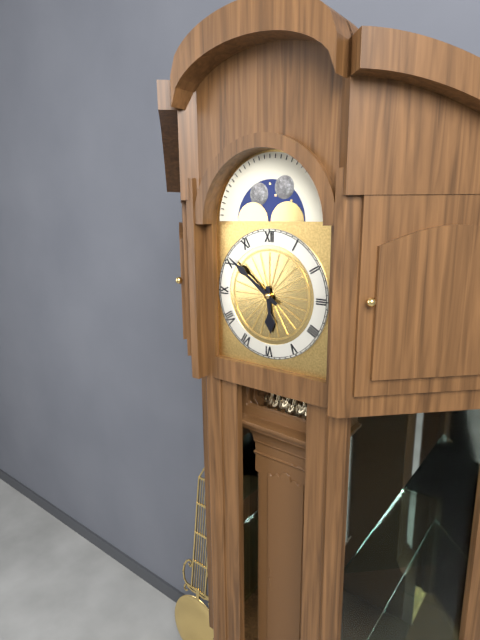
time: 5.51
